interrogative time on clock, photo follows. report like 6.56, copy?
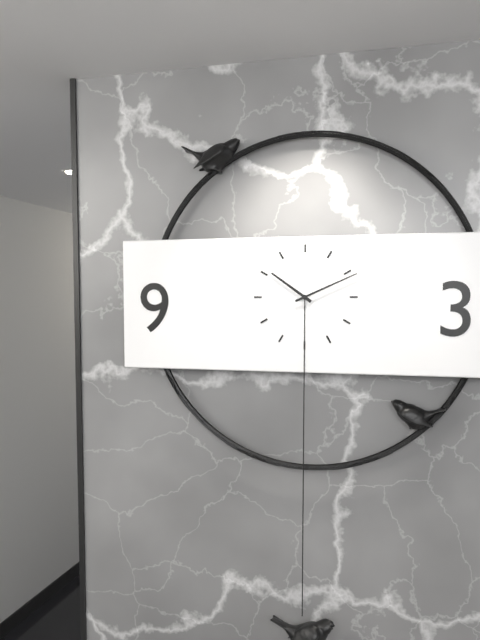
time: 10.11
